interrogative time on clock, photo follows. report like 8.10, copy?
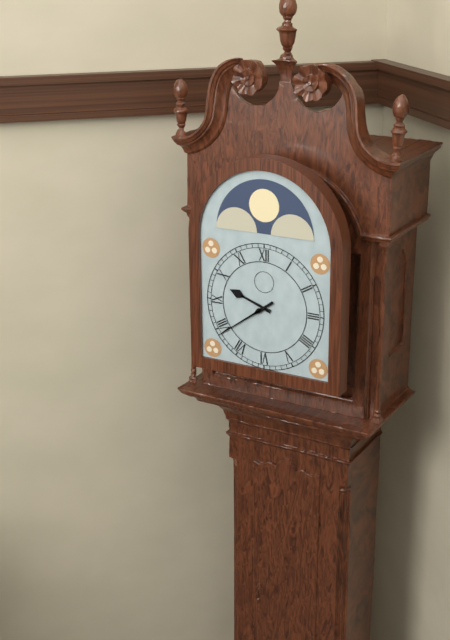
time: 9.39
